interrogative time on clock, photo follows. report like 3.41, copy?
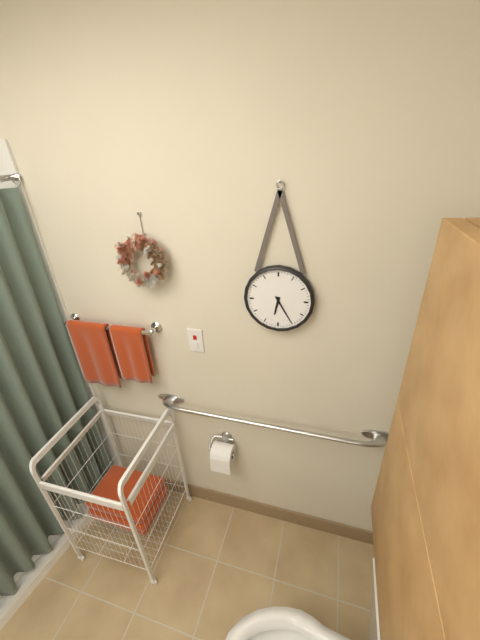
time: 6.25
